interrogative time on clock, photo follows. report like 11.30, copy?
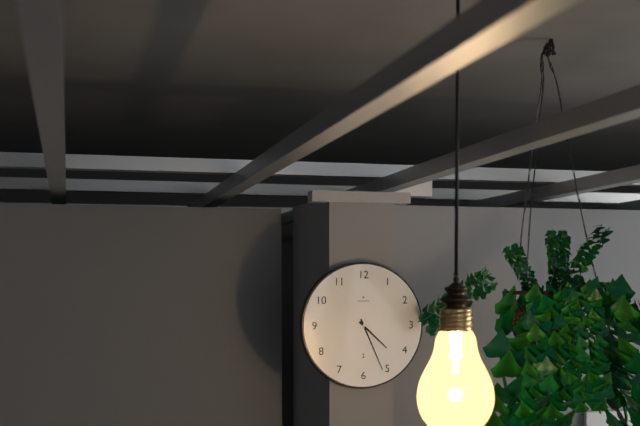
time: 4.26
